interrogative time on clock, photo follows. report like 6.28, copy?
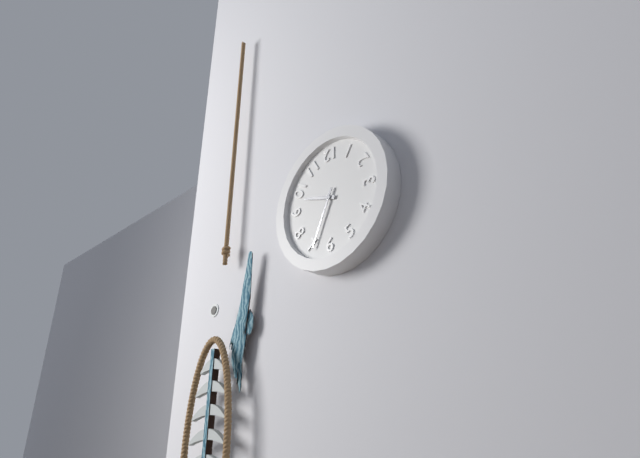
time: 9.34
